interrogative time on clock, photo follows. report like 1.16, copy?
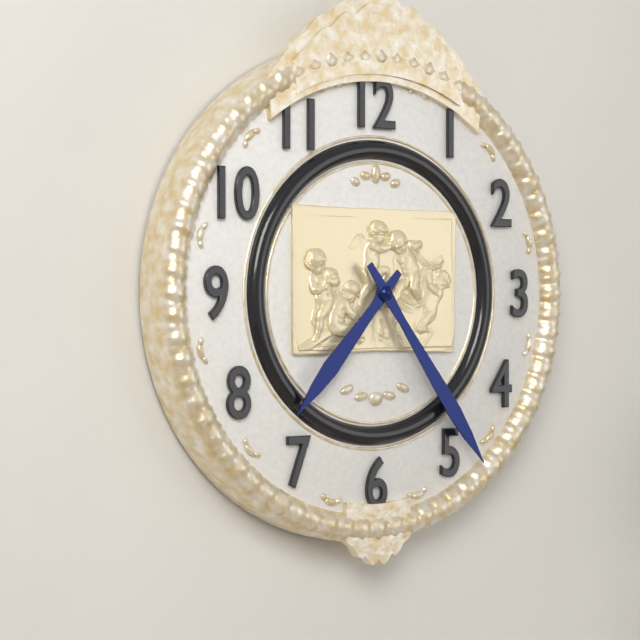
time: 7.24
